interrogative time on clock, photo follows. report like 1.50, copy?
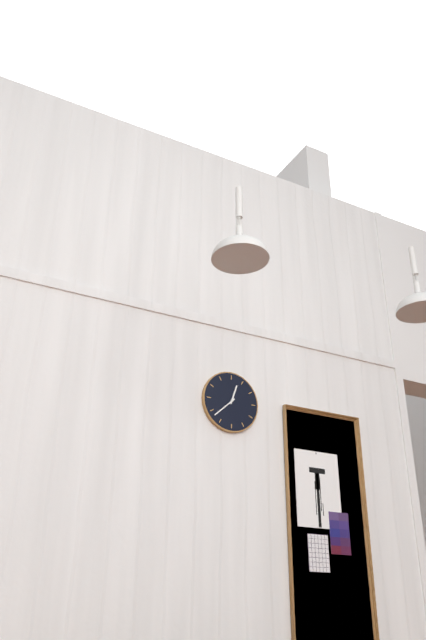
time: 12.38
